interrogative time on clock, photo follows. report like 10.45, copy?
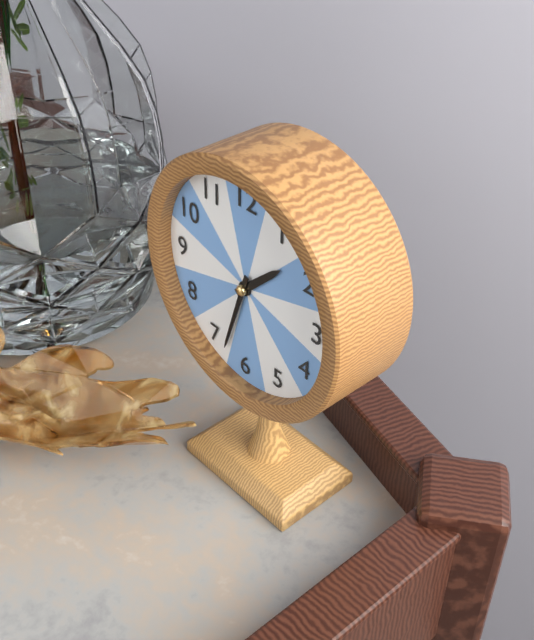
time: 1.33
